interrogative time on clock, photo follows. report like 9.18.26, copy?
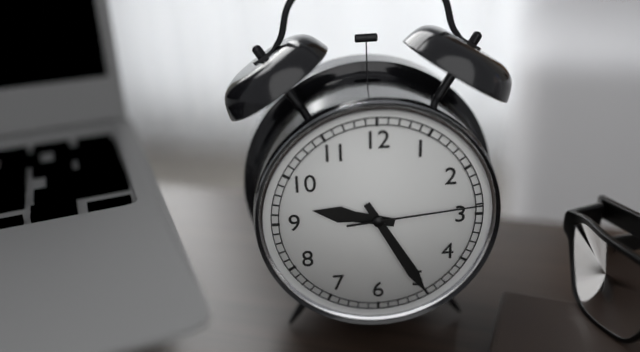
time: 9.25.14
